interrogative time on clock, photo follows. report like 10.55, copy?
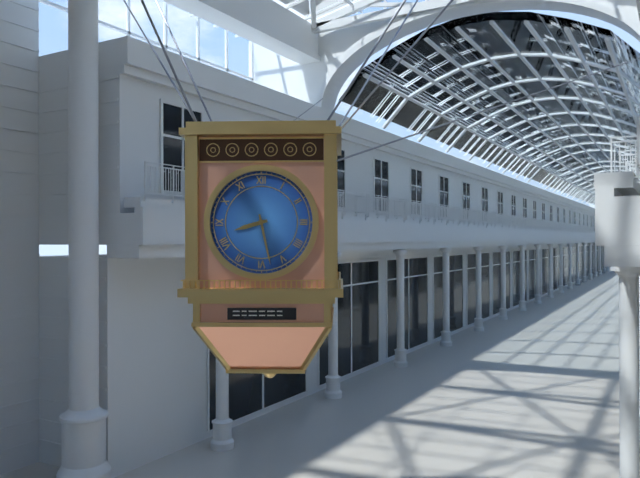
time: 8.28
